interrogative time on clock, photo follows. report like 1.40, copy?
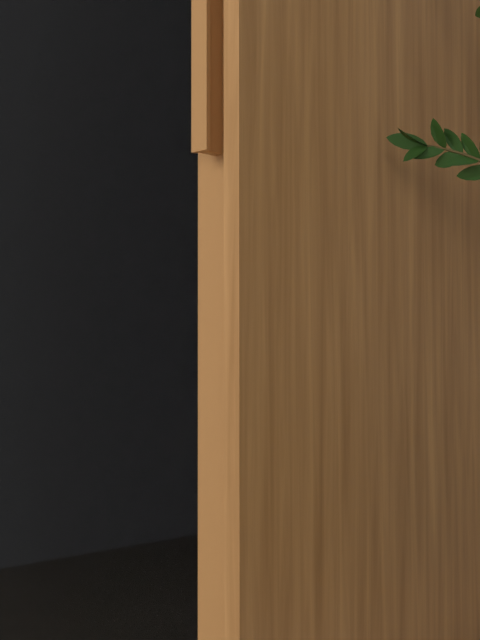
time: 7.31
